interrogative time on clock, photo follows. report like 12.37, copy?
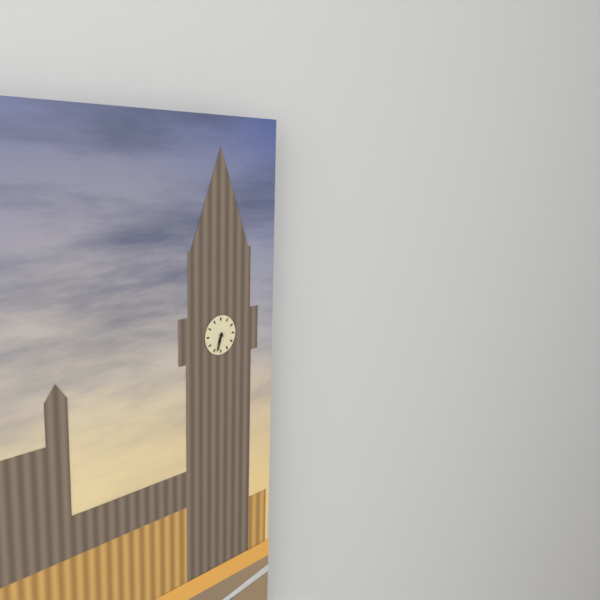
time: 6.33
